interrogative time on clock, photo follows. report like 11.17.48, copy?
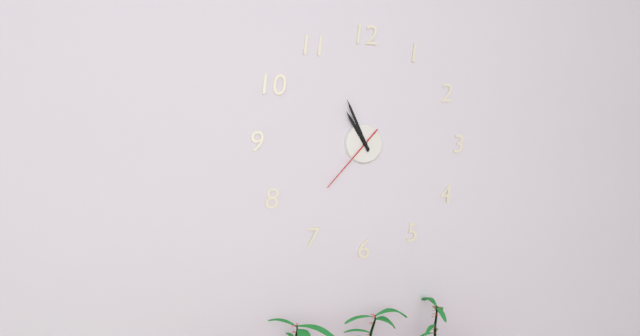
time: 10.56.37
